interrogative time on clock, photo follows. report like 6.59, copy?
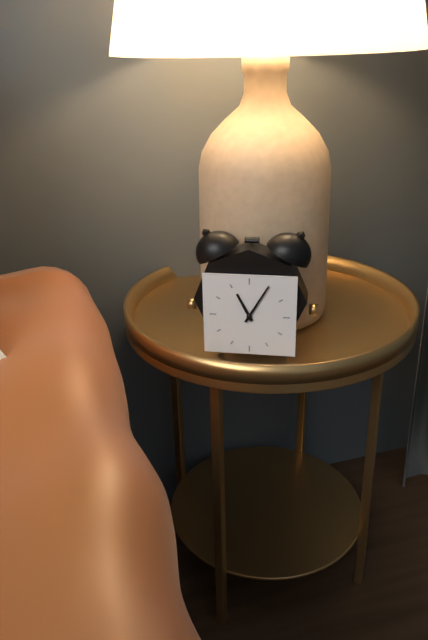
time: 11.05
